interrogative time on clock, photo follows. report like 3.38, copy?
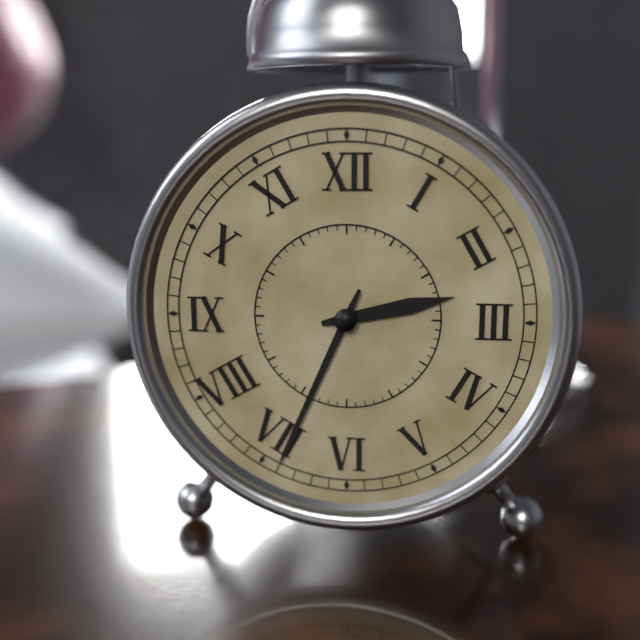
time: 2.34
